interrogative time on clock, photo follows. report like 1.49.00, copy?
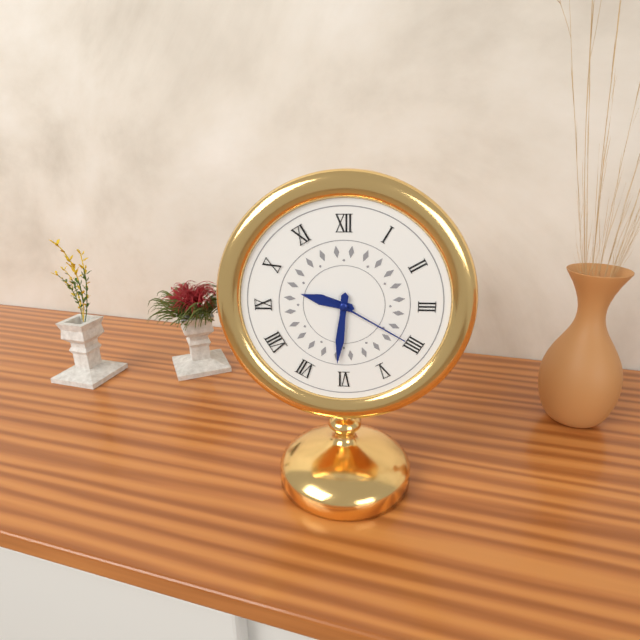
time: 9.31.20
